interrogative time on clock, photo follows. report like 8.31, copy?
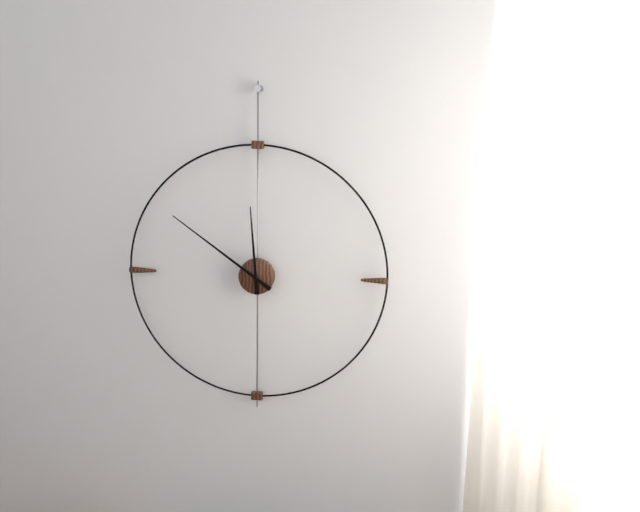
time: 11.51
